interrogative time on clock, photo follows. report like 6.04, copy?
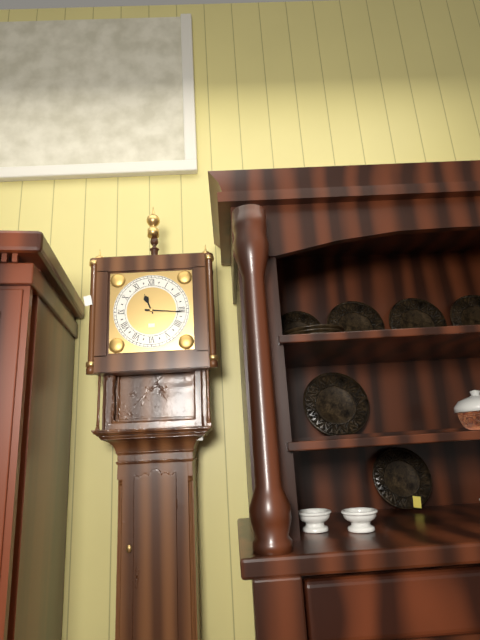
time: 11.16
